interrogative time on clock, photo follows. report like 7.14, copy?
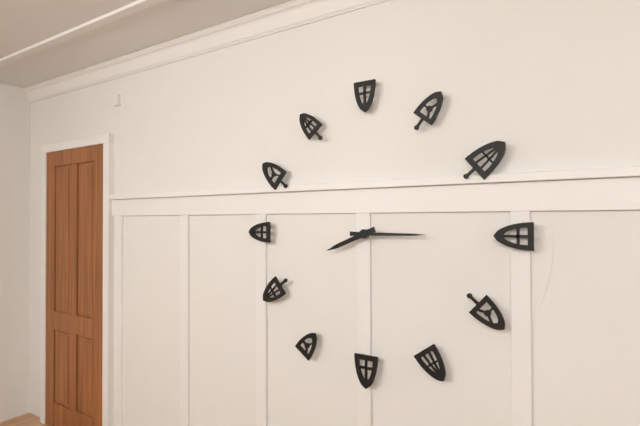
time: 8.15
